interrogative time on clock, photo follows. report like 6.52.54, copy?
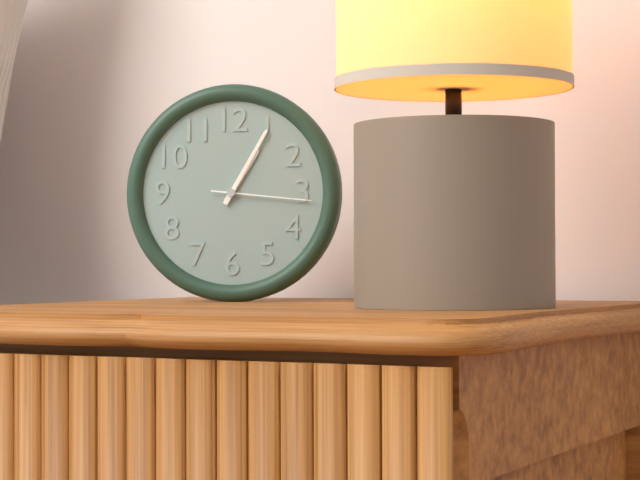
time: 1.05.16
